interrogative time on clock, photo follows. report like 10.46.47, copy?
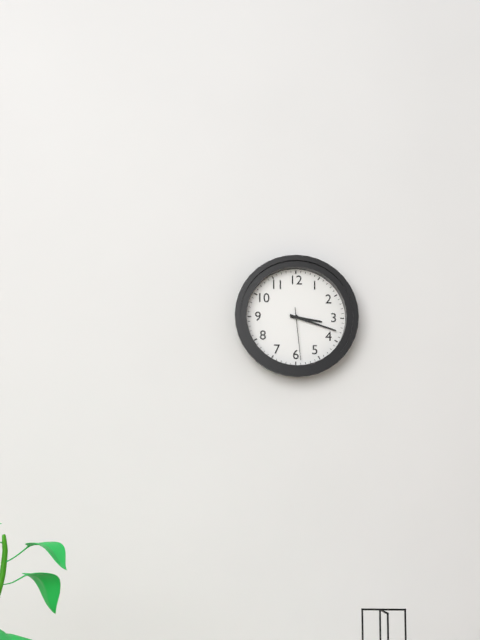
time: 3.18.29
